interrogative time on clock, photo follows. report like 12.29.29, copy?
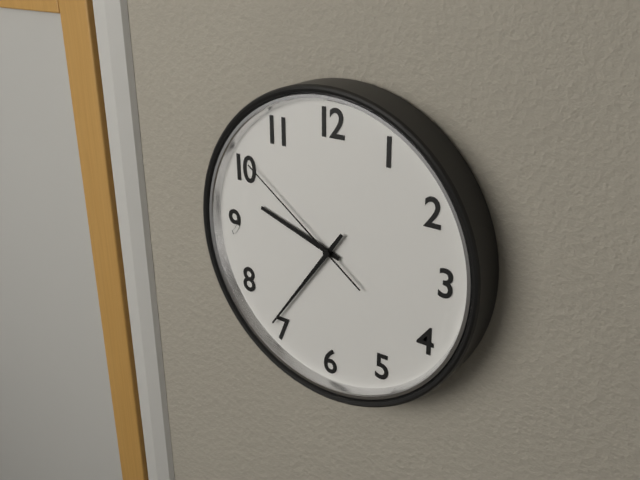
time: 9.36.51
